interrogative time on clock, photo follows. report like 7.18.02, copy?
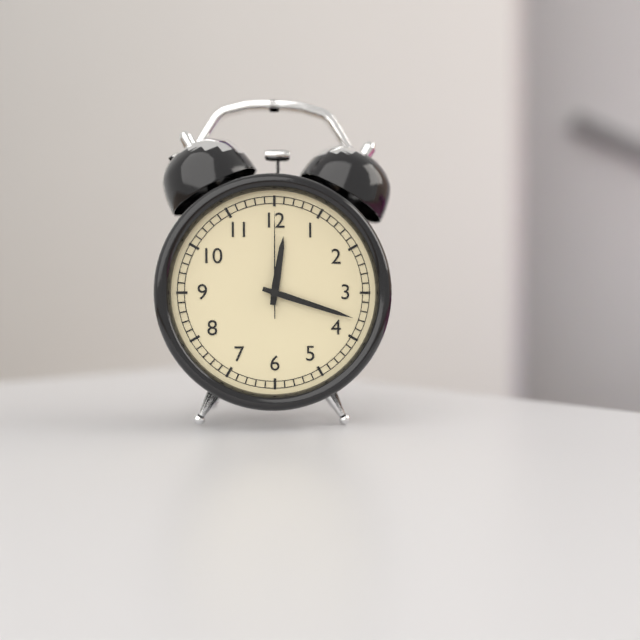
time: 12.18.00
